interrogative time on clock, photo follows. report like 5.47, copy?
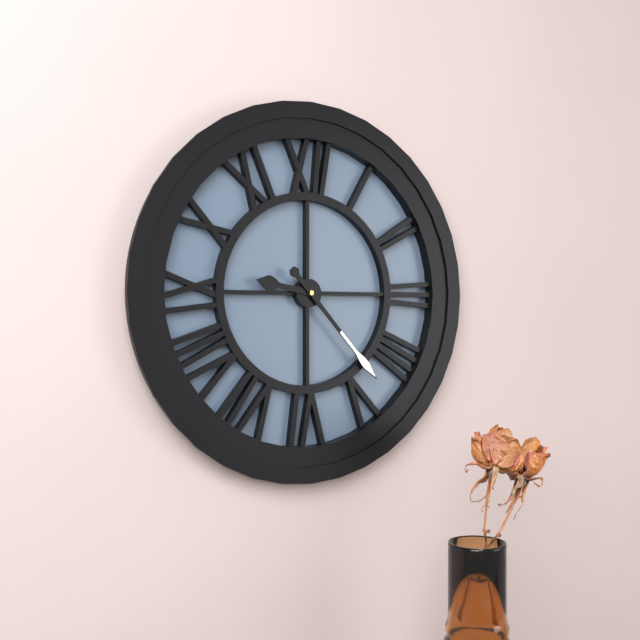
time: 9.23
